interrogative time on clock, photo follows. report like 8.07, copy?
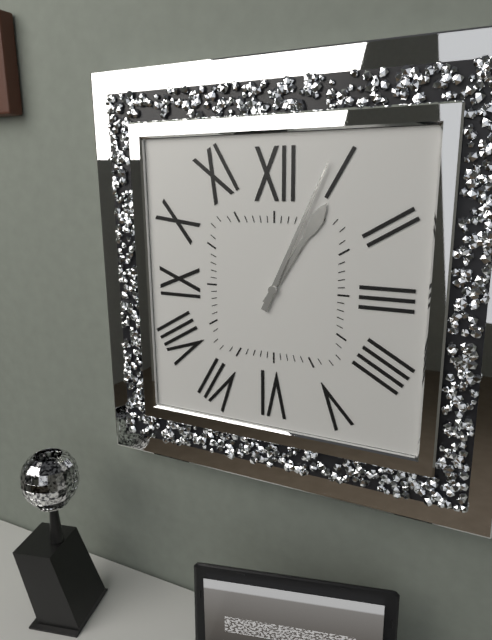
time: 1.04
